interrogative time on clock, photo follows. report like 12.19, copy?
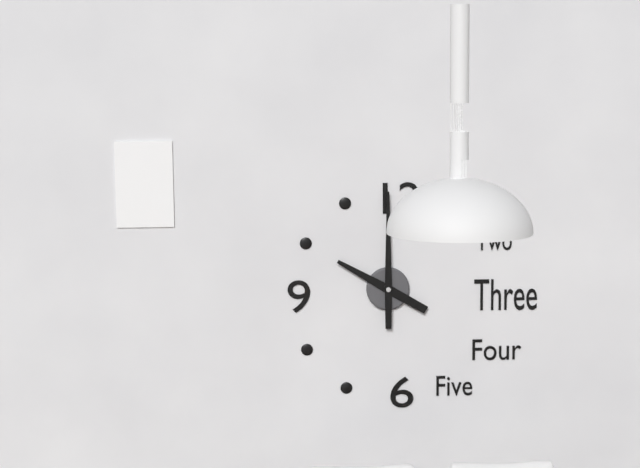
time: 10.00
